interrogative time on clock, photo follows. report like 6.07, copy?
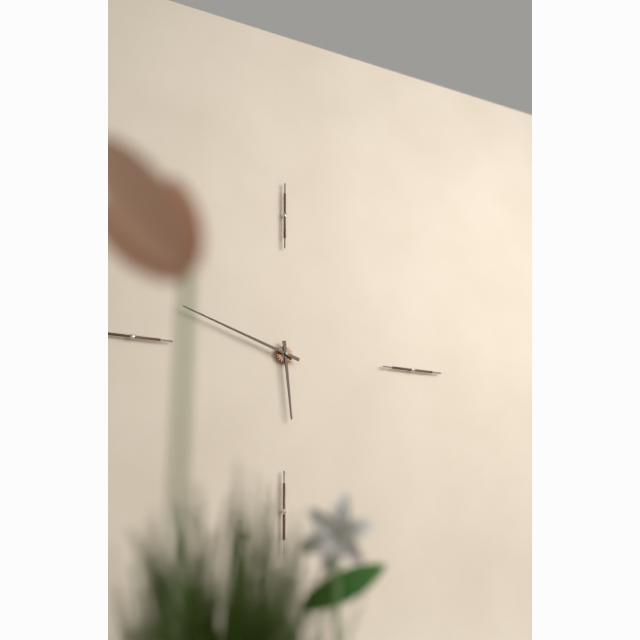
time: 5.48
